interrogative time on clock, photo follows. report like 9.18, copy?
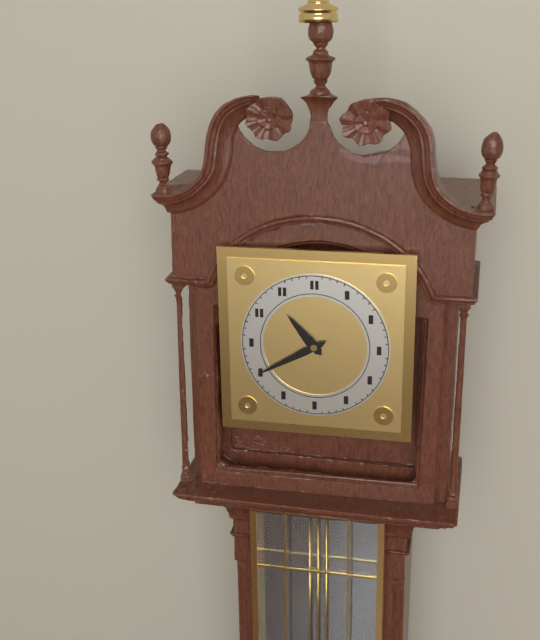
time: 10.40
